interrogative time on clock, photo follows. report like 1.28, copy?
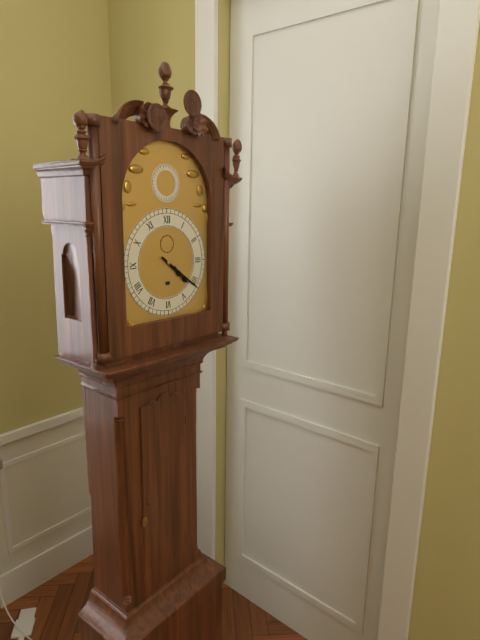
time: 4.21
